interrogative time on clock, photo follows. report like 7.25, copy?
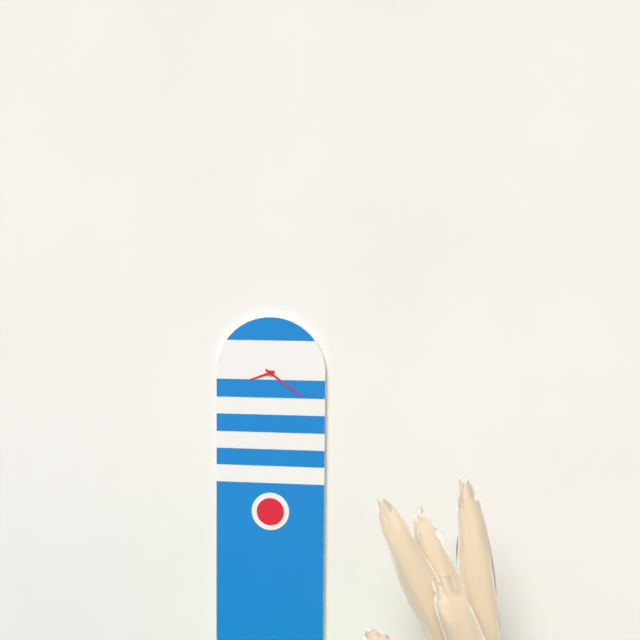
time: 8.21
